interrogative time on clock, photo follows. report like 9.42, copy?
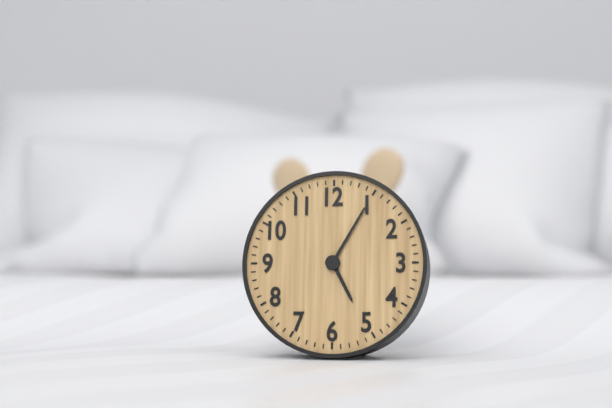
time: 5.05
